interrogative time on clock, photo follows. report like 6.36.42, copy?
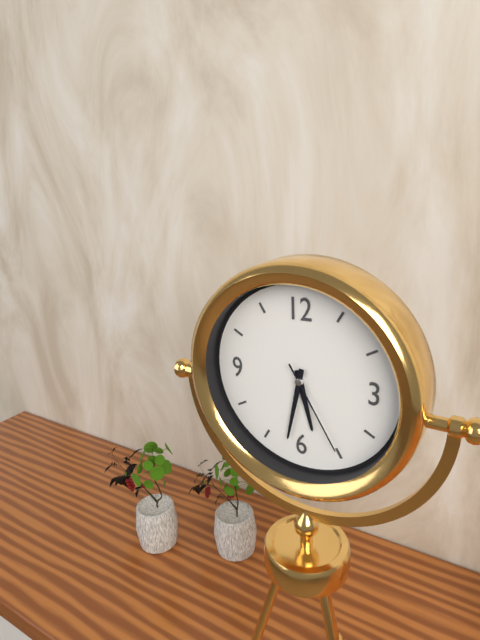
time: 5.32.25
